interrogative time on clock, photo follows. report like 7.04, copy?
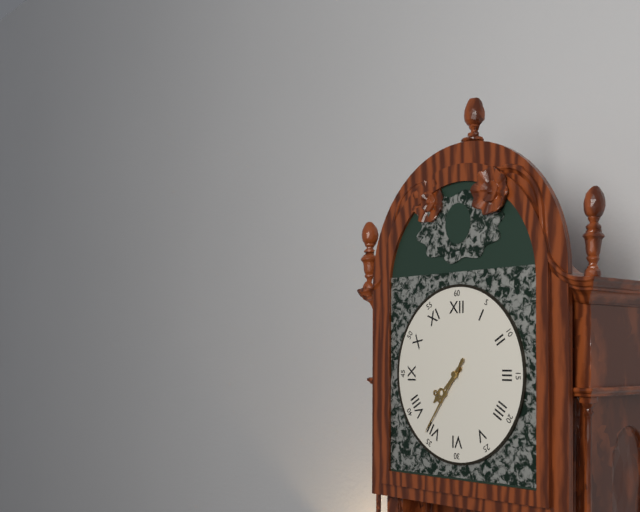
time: 7.36
